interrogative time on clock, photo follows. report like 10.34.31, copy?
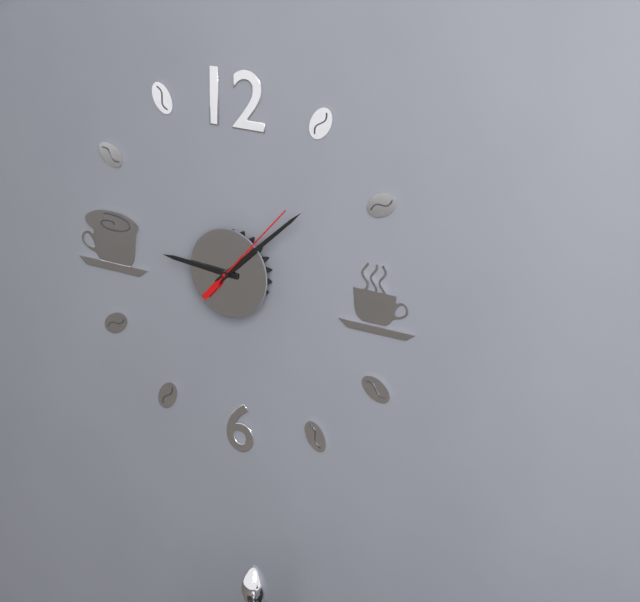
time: 9.08.07
